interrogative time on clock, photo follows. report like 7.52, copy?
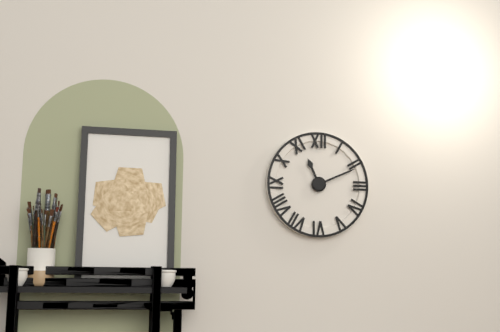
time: 11.11
